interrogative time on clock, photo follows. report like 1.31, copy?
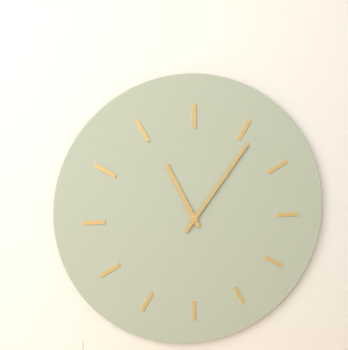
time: 11.06
